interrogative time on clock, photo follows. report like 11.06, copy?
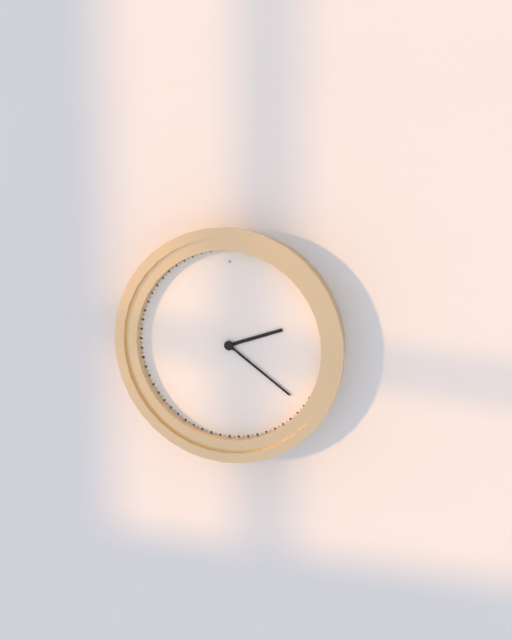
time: 2.21
